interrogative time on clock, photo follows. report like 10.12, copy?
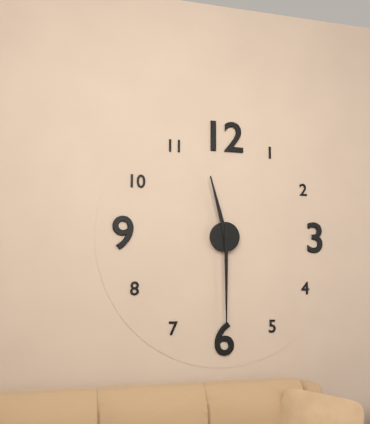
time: 11.30
